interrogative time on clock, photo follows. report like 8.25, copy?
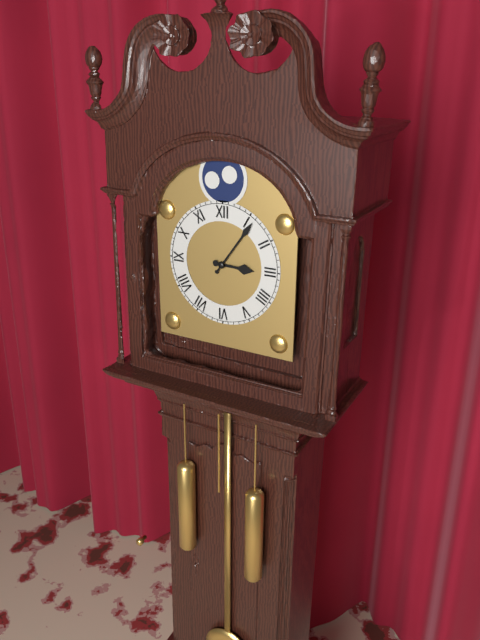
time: 3.06
